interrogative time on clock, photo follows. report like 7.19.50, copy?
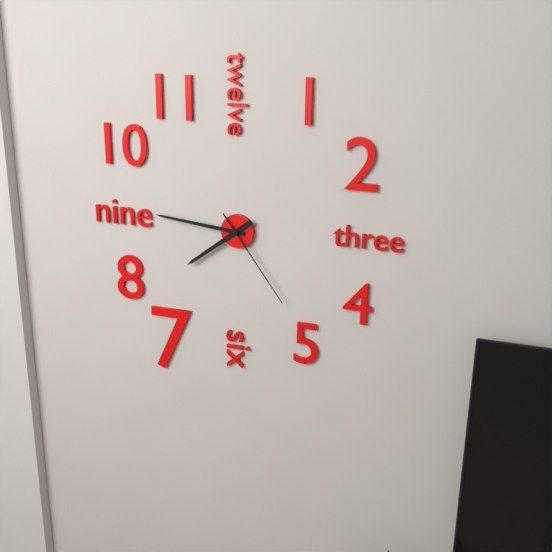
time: 7.46.24
